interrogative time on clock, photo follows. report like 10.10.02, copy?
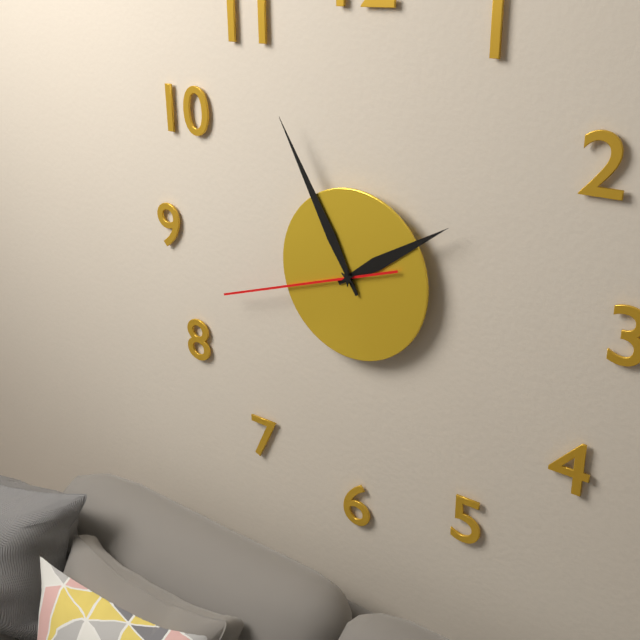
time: 1.55.42
